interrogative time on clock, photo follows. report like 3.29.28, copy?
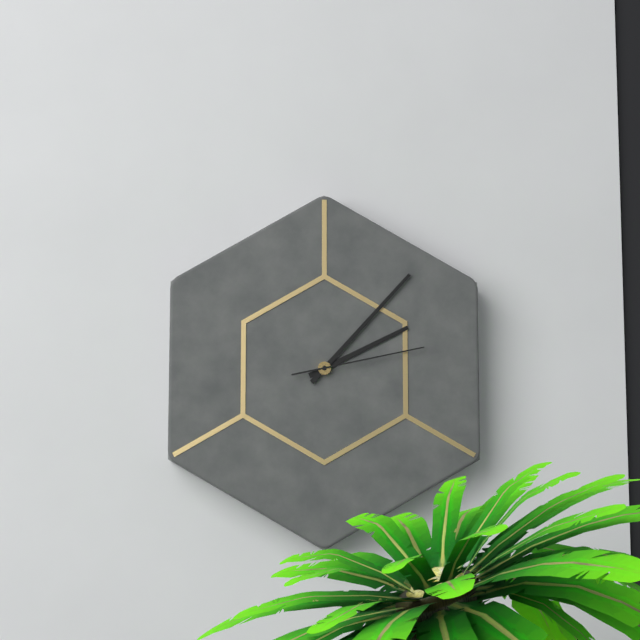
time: 2.07.13
